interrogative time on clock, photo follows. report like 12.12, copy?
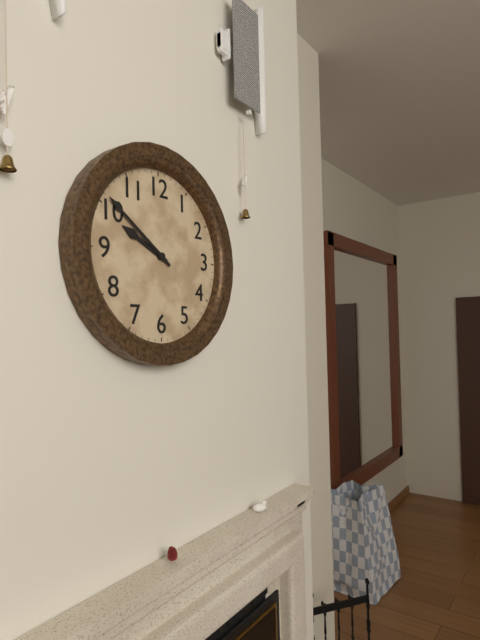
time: 9.51
